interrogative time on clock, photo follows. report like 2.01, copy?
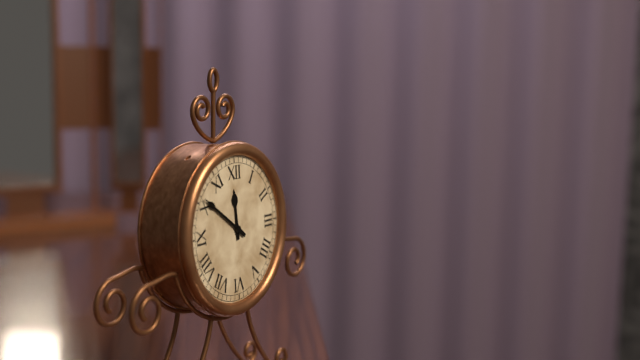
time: 11.51
